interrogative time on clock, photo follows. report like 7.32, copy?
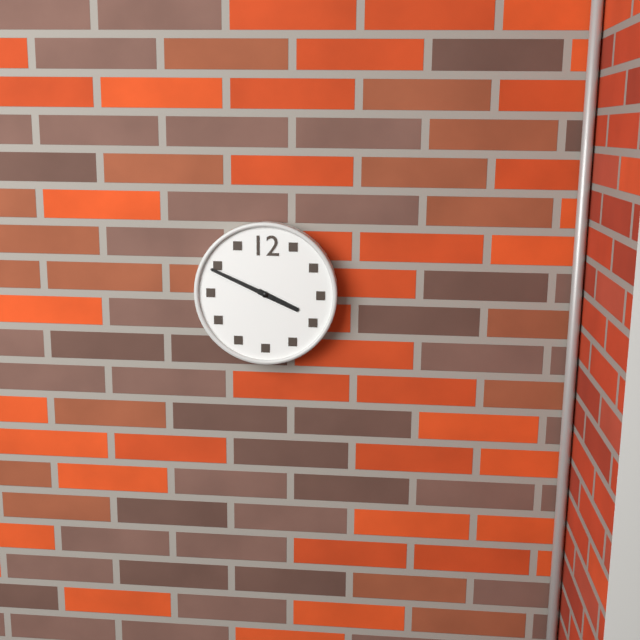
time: 3.49
